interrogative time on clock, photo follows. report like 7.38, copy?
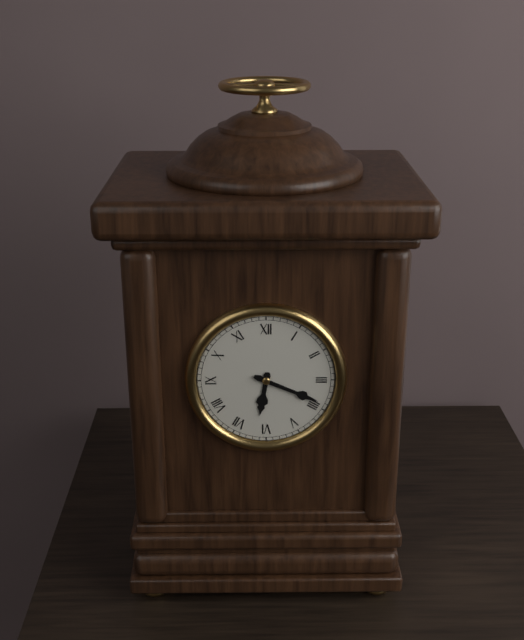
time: 6.19
